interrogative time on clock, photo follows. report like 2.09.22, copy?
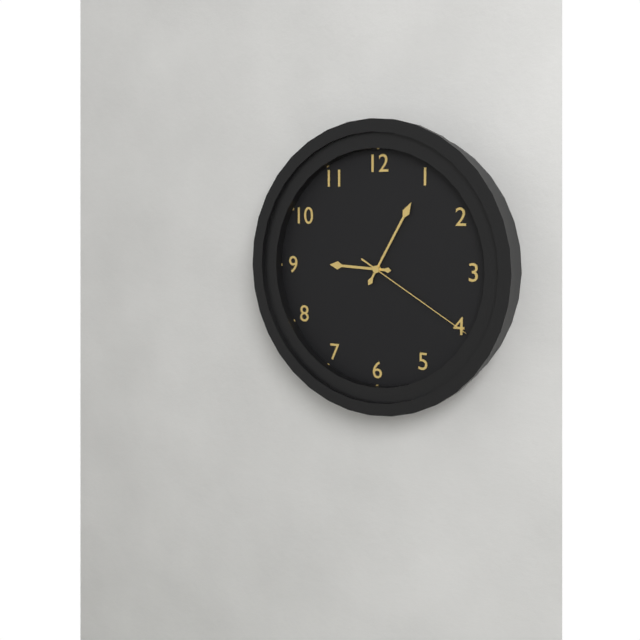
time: 9.05.20
